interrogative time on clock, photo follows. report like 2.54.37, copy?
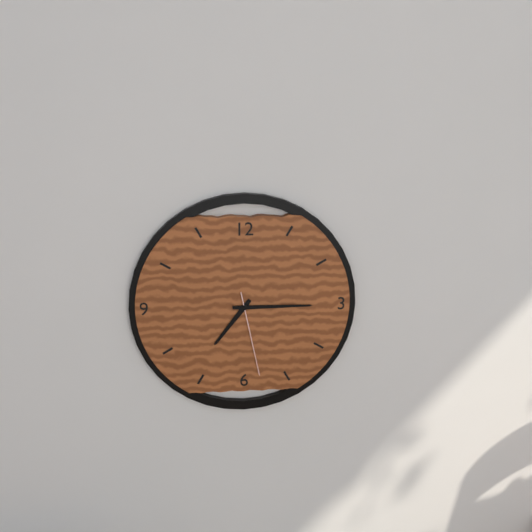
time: 7.15.28
